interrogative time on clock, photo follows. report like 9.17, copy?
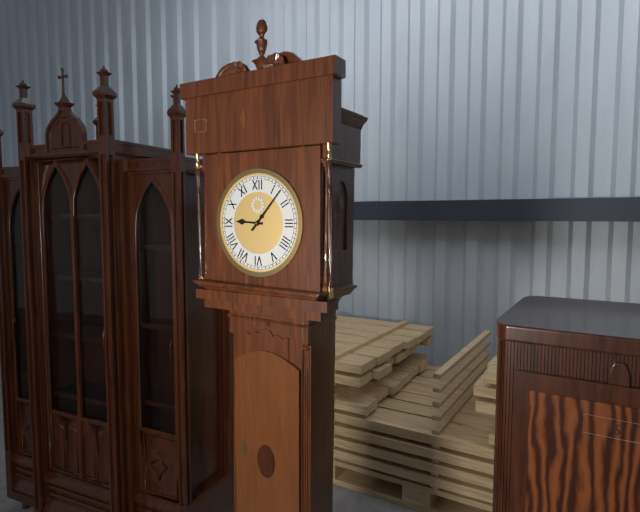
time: 9.07
